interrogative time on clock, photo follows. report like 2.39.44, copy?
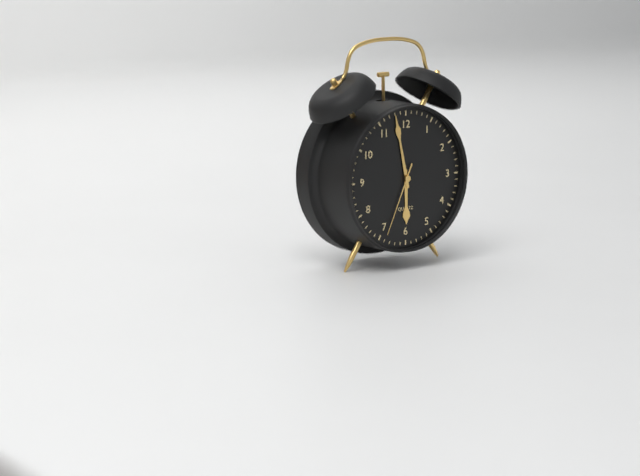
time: 5.58.34
